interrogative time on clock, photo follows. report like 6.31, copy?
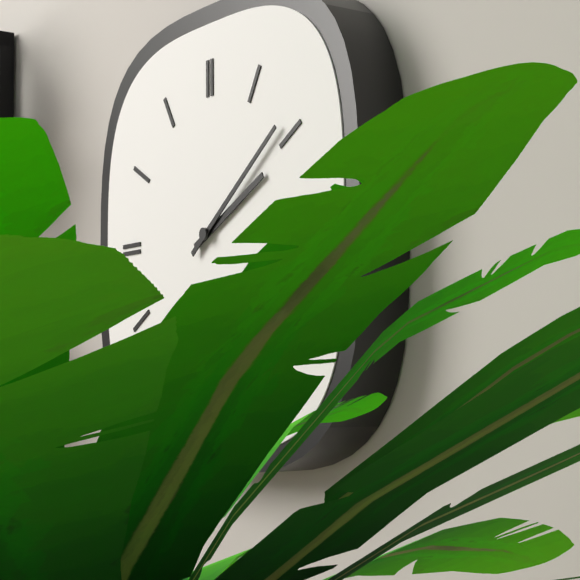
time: 2.09
